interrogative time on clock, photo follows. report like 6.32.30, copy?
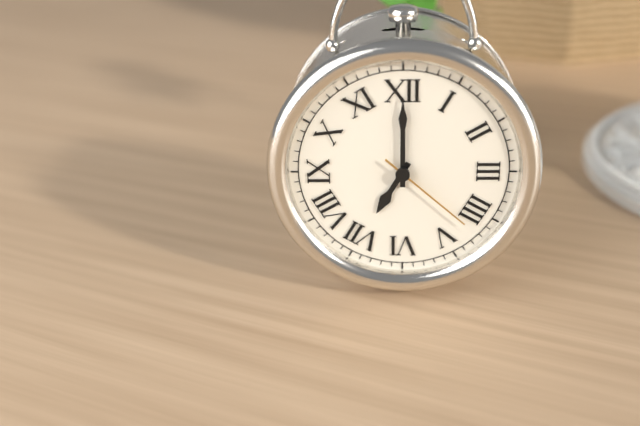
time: 7.00.22
